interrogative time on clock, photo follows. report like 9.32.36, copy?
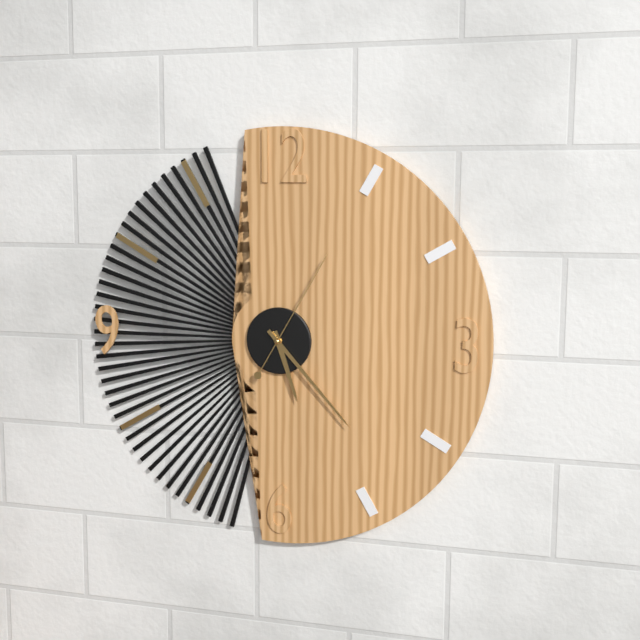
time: 5.23.05
